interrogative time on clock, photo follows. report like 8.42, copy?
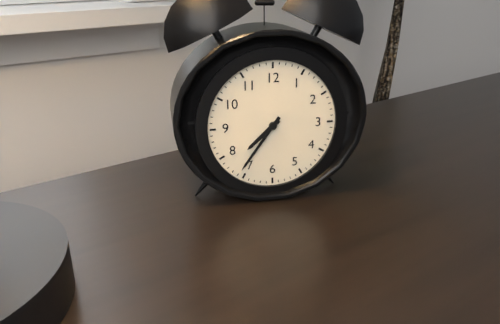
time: 7.36
